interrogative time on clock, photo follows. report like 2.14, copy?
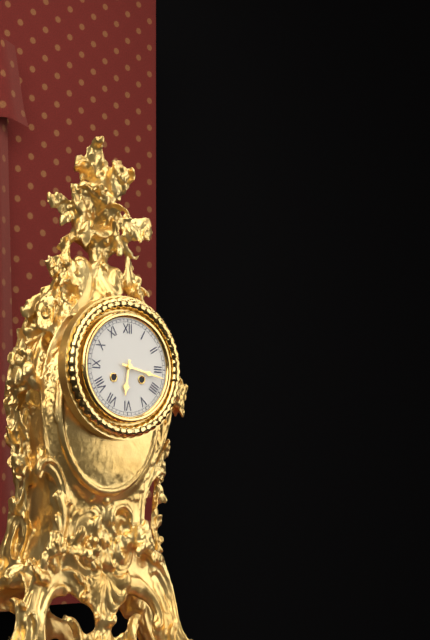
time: 6.17
